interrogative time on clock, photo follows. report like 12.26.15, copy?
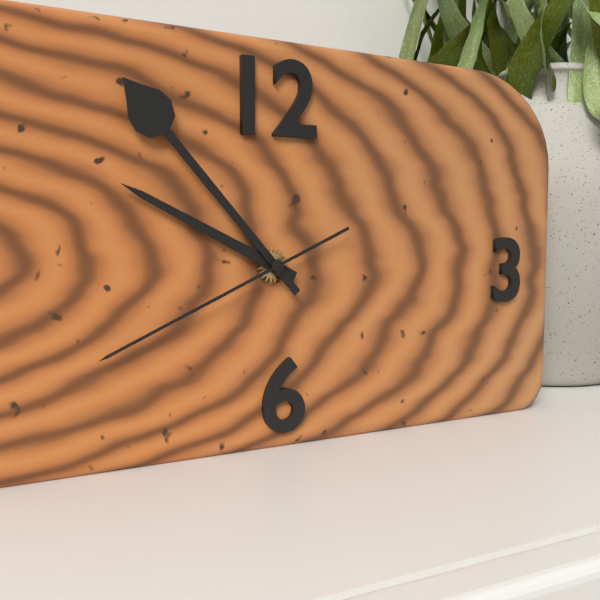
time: 9.53.41
